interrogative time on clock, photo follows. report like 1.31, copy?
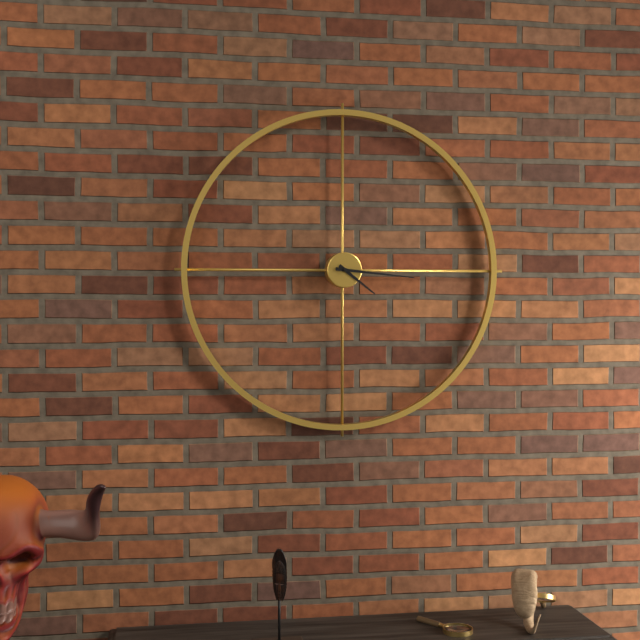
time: 4.16
